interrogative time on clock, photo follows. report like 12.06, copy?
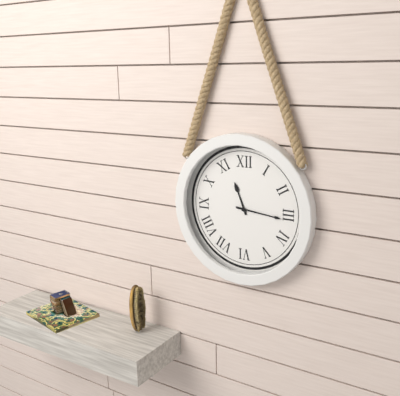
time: 11.16
